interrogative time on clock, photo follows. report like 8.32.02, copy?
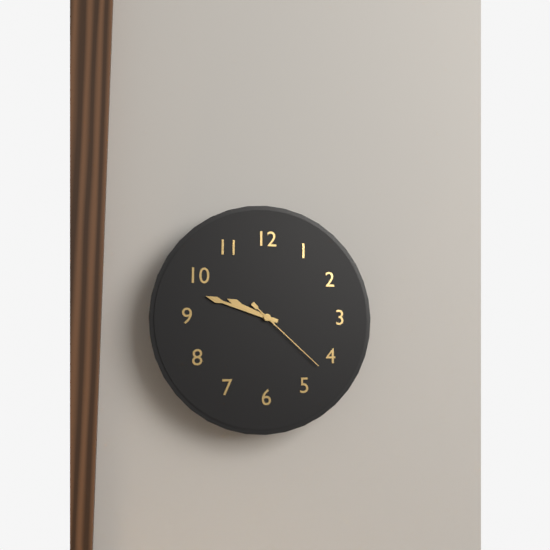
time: 9.48.22
